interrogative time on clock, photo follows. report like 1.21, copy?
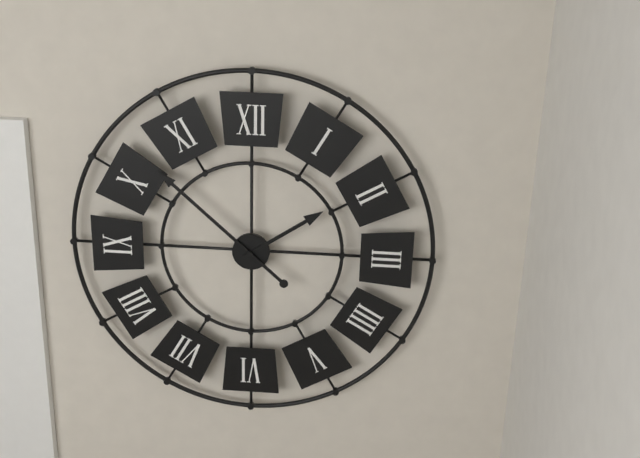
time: 1.52
